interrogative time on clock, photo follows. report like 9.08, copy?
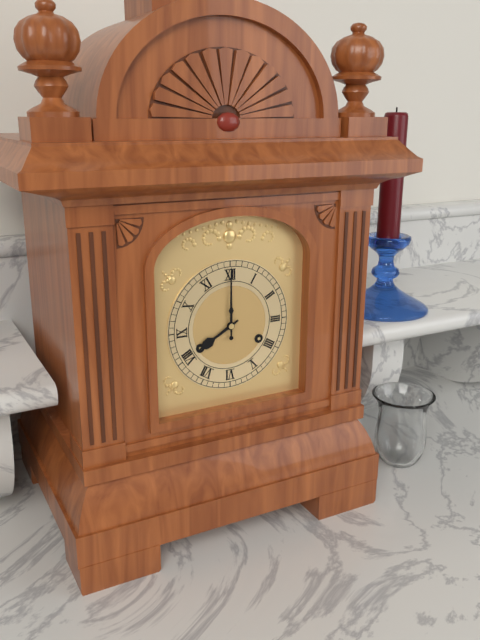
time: 8.00
